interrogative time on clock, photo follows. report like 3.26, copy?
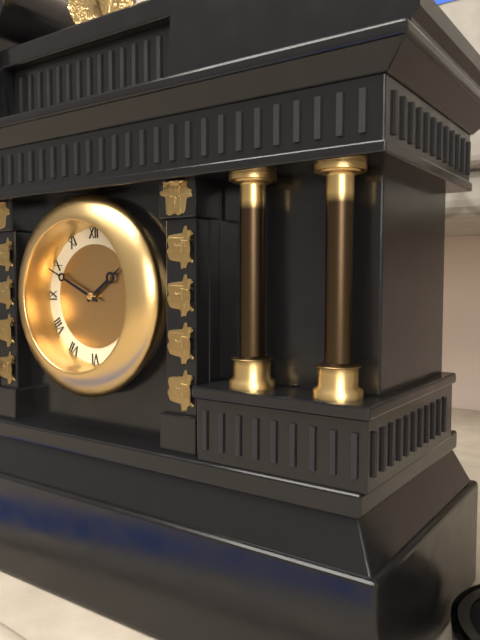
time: 1.49
